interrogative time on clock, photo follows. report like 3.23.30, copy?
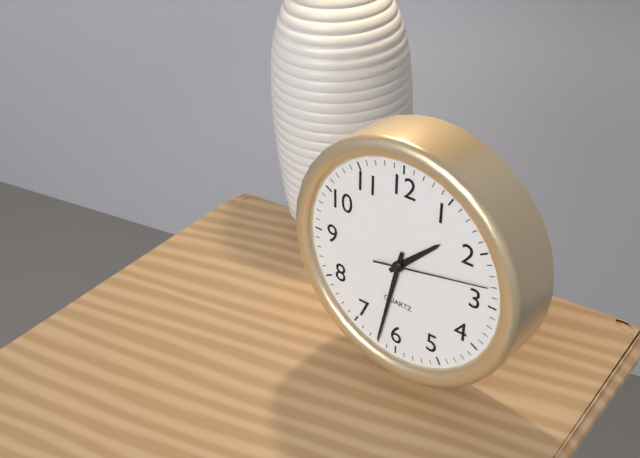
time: 1.32.13
